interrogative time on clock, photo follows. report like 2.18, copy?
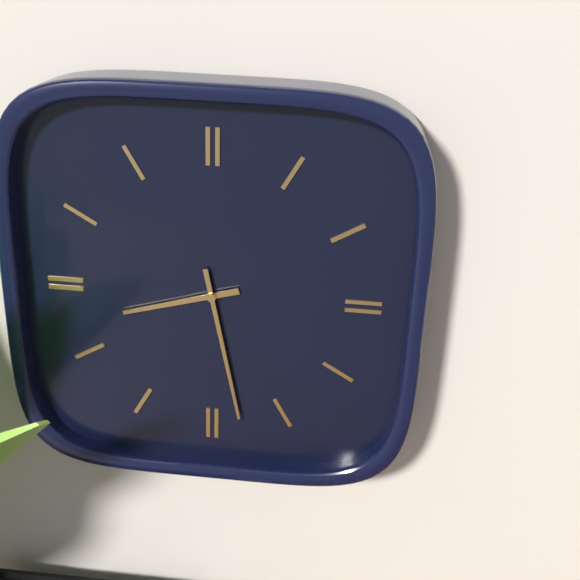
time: 8.28
